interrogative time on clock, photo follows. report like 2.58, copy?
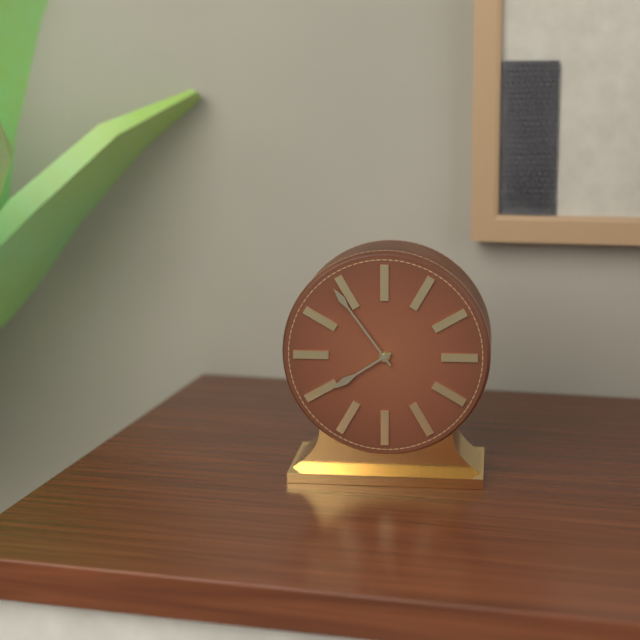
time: 7.54
